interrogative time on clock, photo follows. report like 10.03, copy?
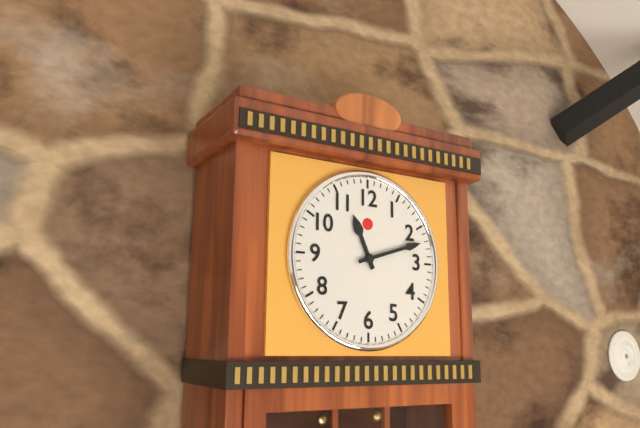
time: 11.12
